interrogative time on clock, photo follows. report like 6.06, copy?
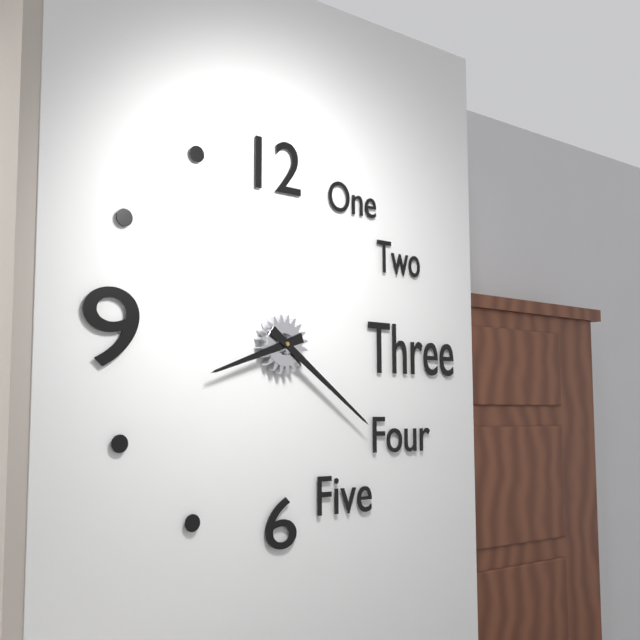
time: 8.21
